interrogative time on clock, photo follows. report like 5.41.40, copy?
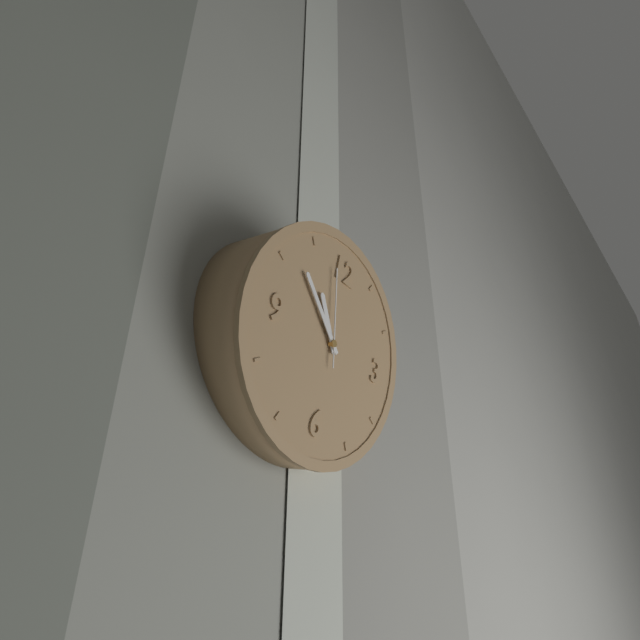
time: 10.52.58
